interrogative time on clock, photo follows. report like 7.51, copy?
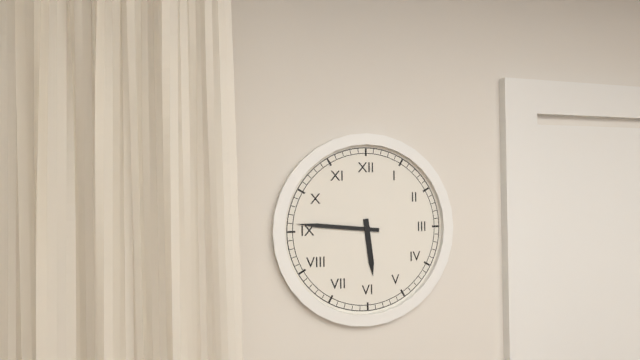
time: 5.46
